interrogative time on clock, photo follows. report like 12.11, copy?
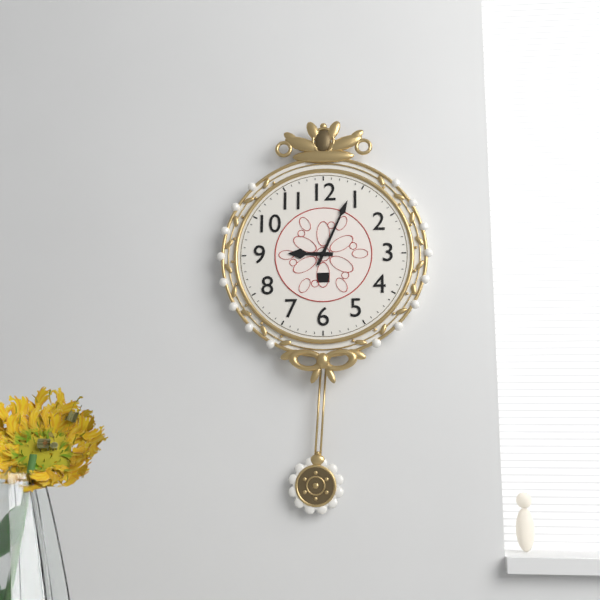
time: 9.04
